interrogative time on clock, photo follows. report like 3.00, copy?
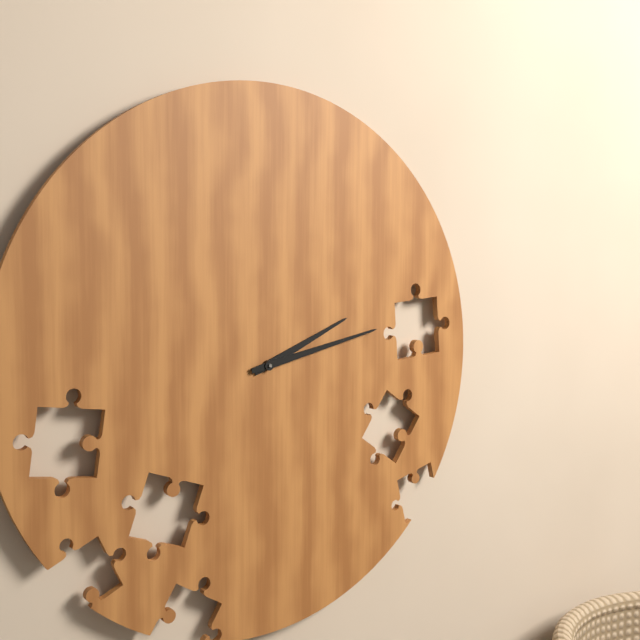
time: 2.13
